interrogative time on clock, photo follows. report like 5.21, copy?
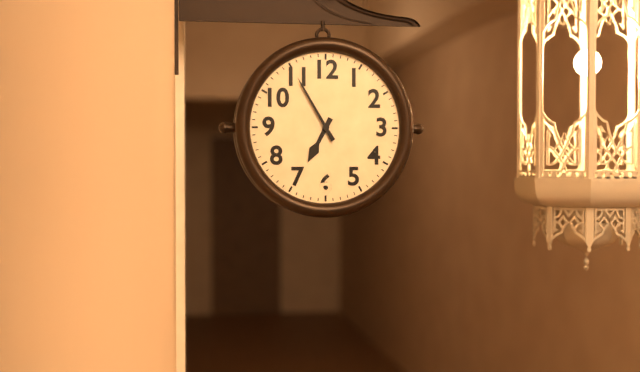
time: 6.55
